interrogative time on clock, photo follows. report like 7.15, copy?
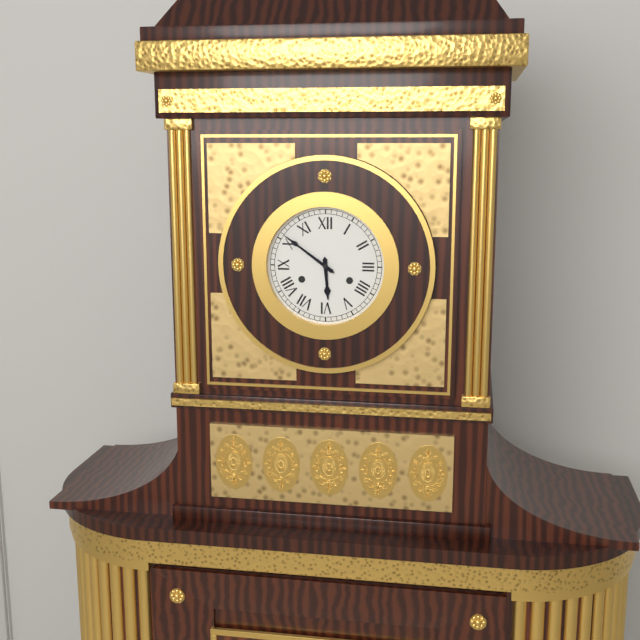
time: 5.51
